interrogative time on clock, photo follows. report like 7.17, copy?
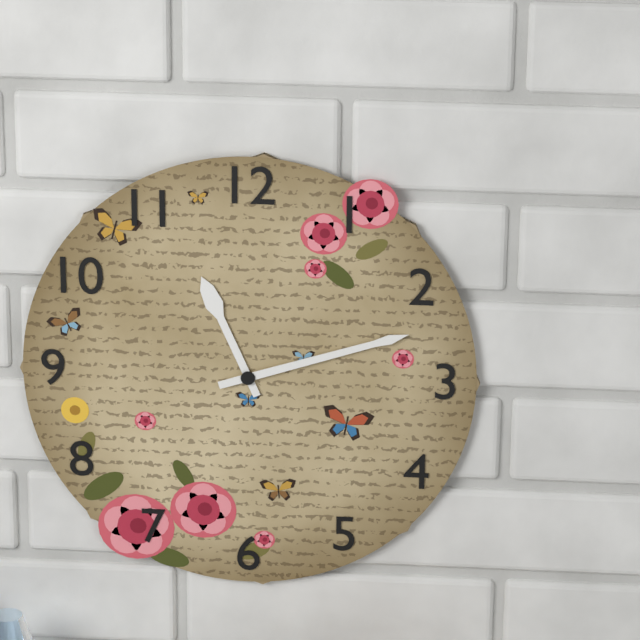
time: 11.12
